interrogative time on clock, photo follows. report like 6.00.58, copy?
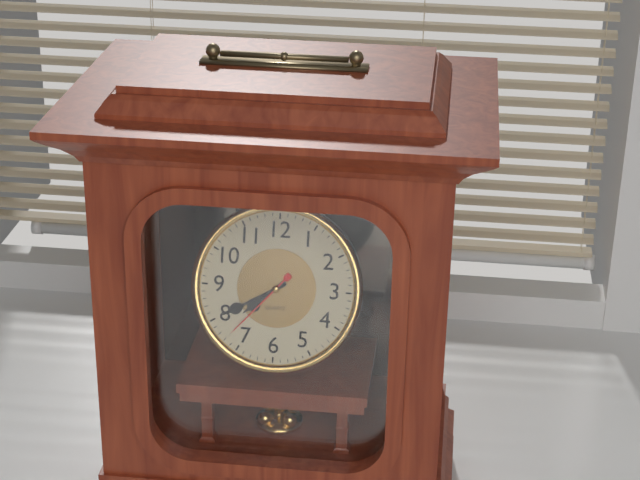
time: 7.40.37
